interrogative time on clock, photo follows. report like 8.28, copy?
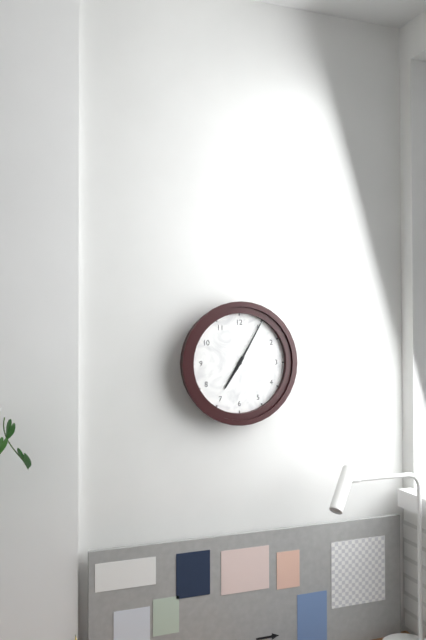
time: 7.05
